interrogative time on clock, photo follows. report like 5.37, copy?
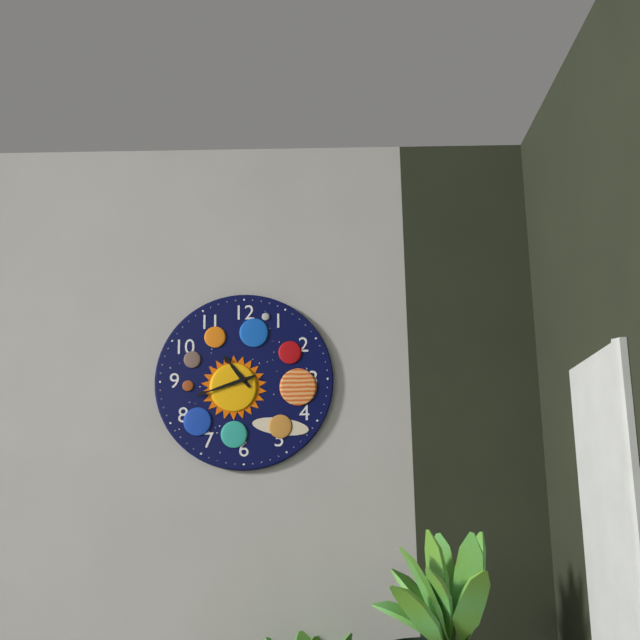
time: 10.42
